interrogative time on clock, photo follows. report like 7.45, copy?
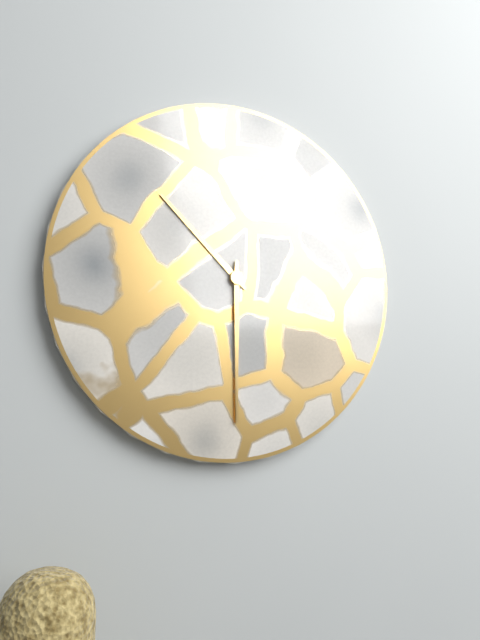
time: 10.30
